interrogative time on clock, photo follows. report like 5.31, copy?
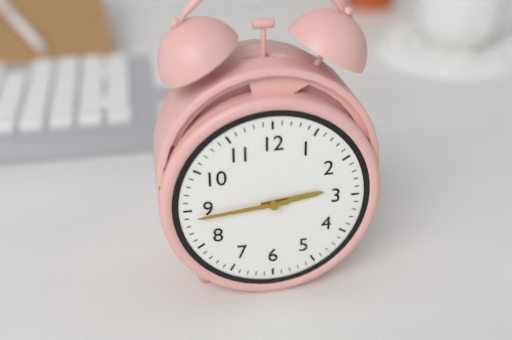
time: 2.44
